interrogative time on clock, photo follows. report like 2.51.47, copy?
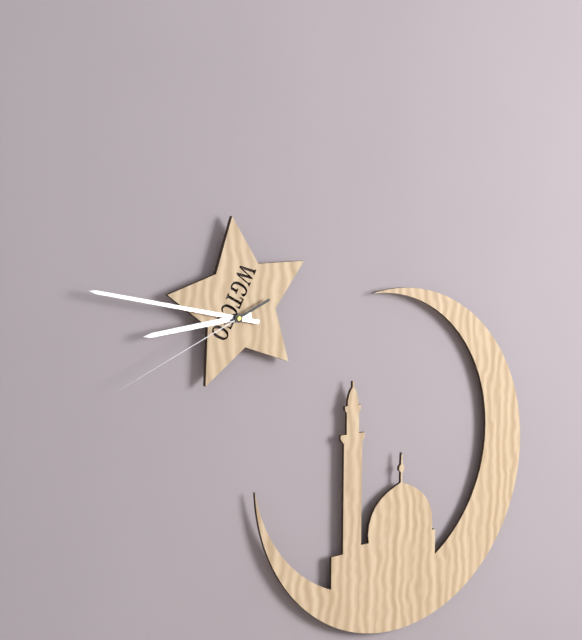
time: 8.47.41
